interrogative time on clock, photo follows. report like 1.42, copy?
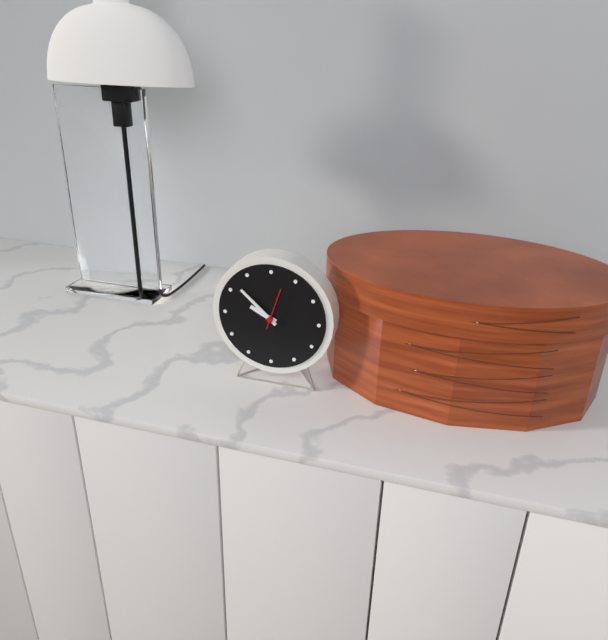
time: 9.52
